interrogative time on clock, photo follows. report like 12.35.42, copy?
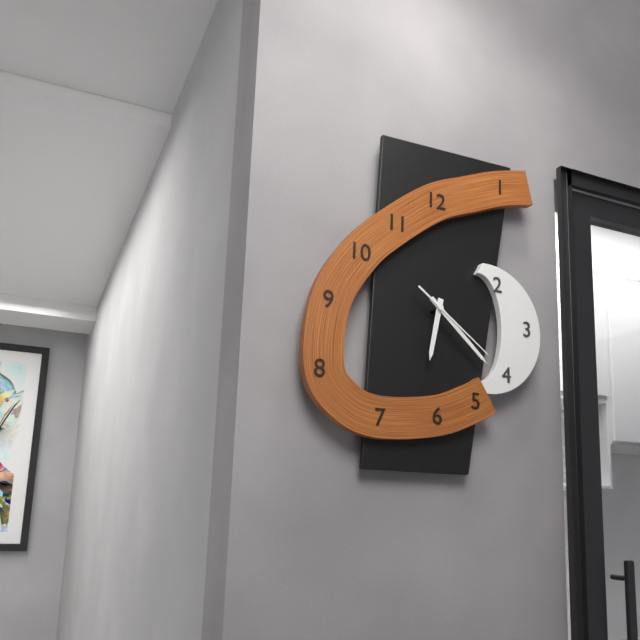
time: 6.22.21
